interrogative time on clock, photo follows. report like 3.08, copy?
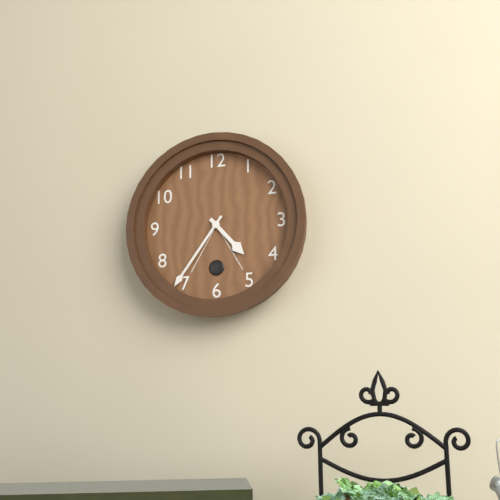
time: 4.36
